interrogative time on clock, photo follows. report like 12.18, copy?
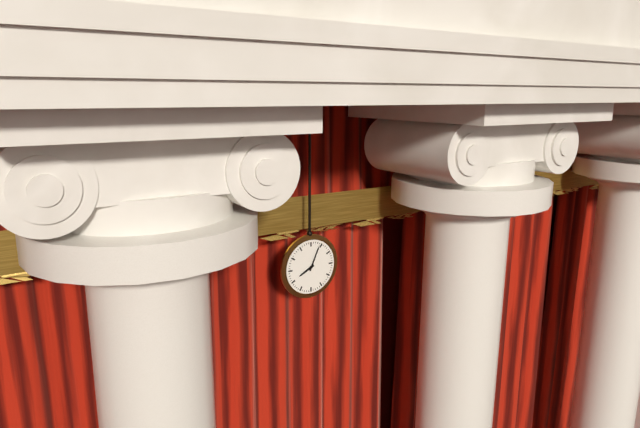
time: 8.04
